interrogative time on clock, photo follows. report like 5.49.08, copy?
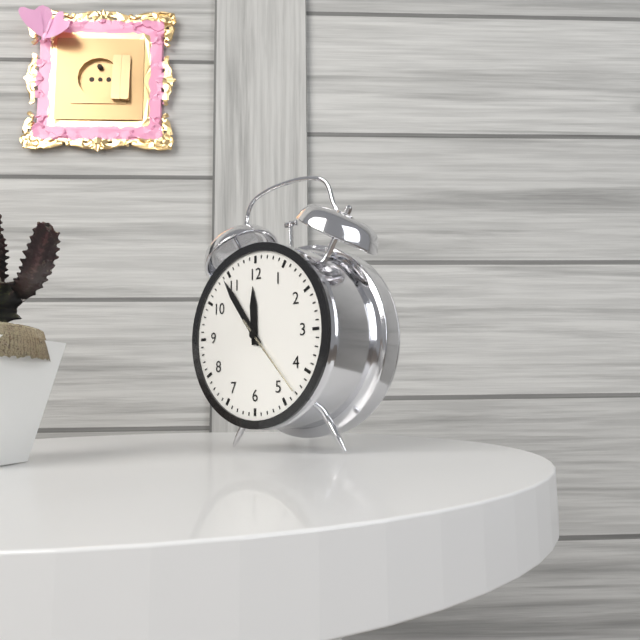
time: 11.54.23
